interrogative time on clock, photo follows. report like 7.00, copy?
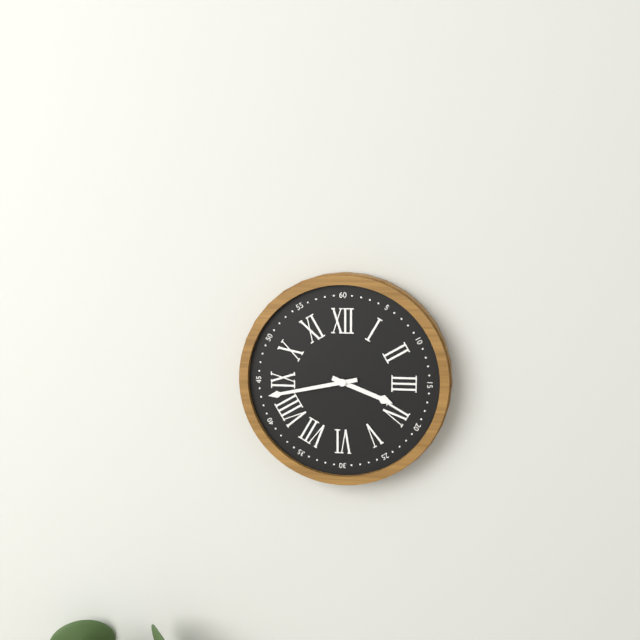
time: 3.43
